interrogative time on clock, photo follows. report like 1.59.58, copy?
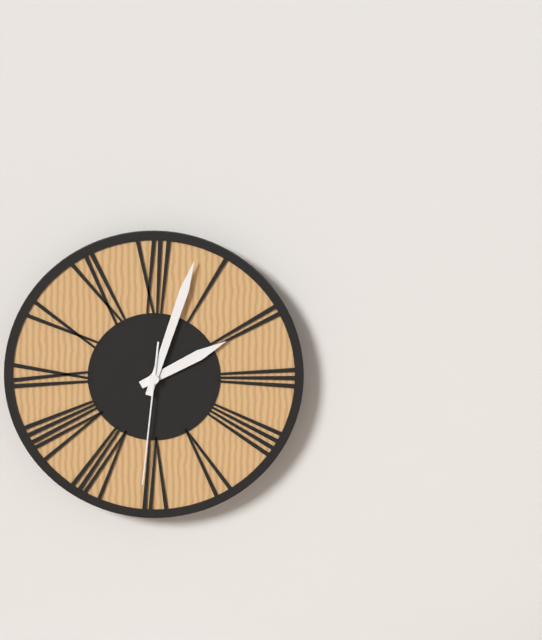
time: 2.03.31
